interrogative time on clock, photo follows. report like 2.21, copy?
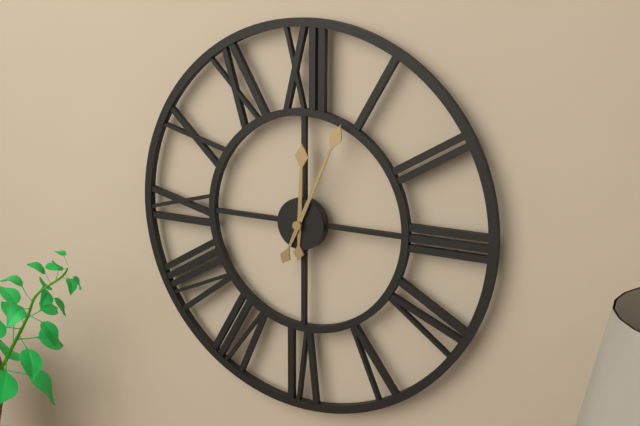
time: 12.04
